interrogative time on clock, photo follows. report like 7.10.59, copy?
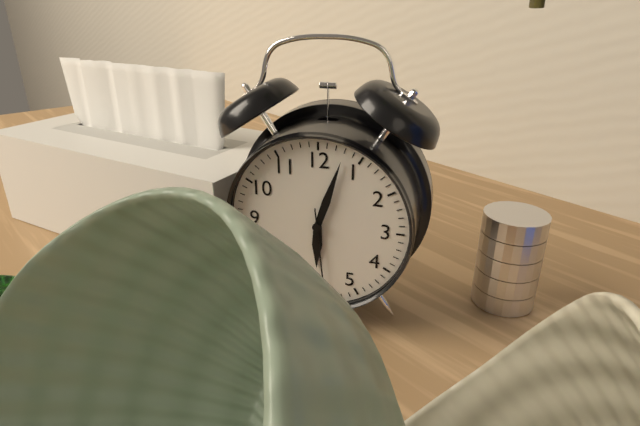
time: 6.03.29
